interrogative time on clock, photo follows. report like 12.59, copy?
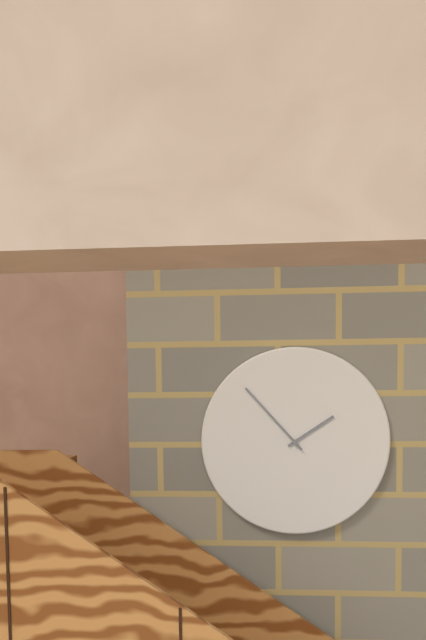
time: 1.53
